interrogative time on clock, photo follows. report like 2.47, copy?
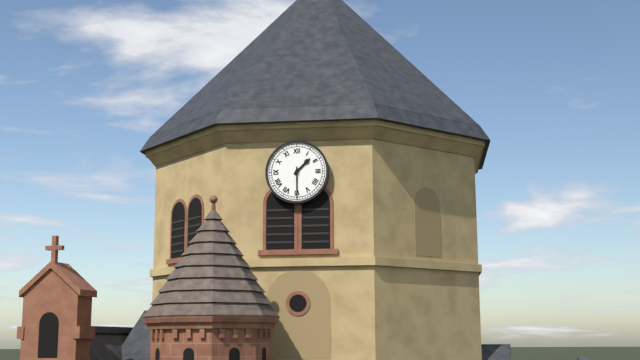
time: 1.30
